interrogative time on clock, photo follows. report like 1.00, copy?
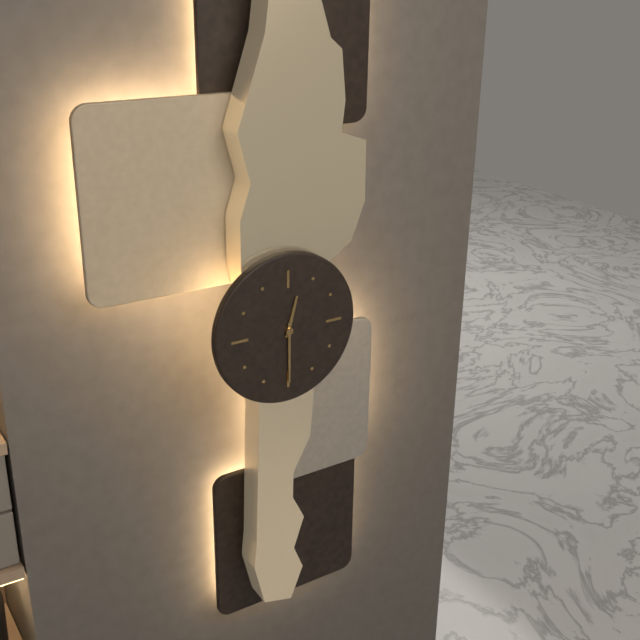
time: 12.30
